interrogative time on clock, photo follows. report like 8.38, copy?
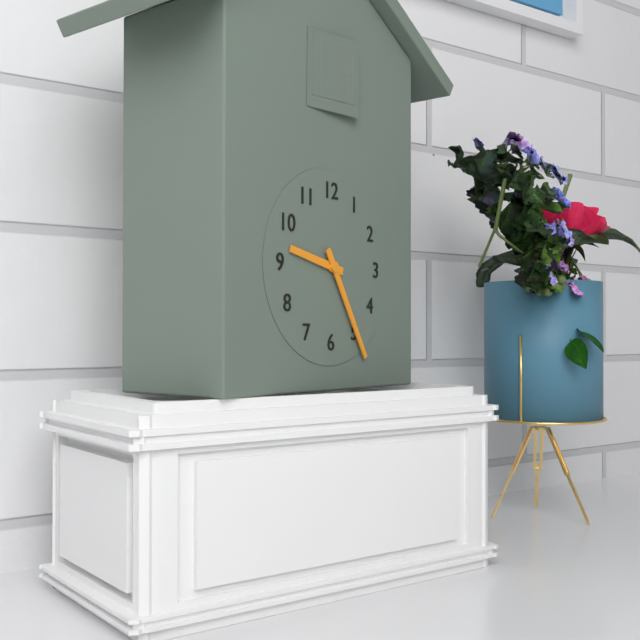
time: 9.25
